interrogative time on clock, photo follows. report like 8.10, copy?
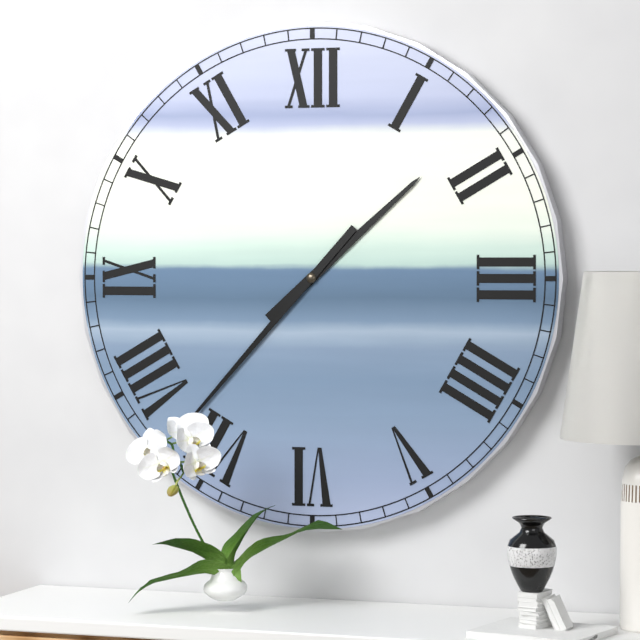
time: 1.37
